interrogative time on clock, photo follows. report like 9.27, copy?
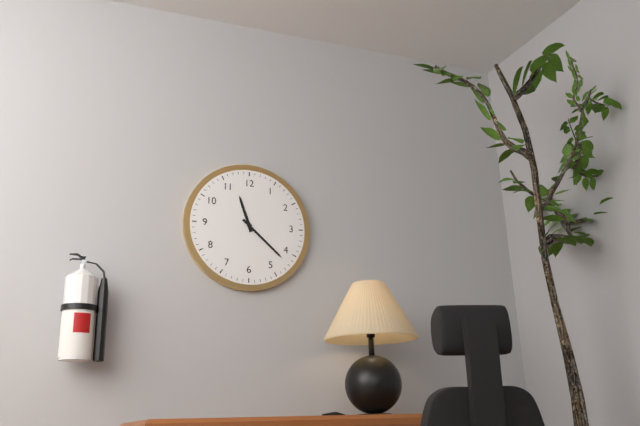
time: 11.22
